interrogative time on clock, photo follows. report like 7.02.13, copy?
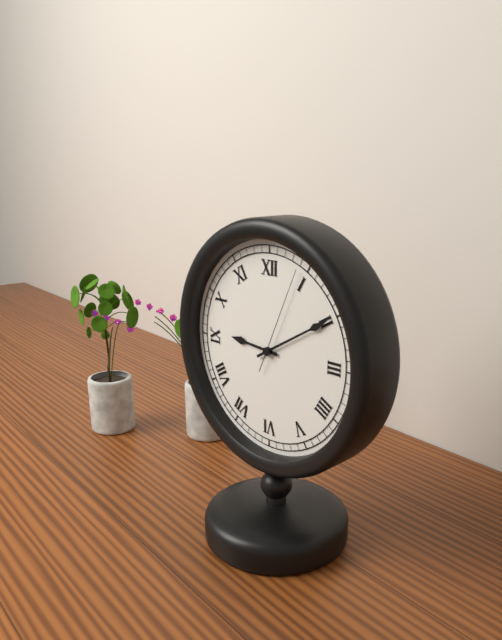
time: 9.10.04
